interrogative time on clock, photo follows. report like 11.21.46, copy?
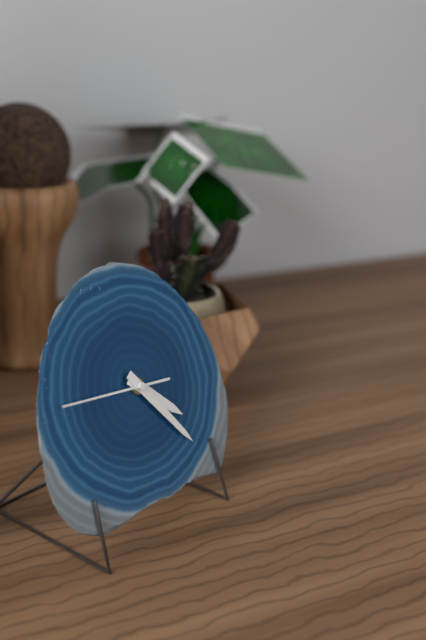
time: 4.24.46
